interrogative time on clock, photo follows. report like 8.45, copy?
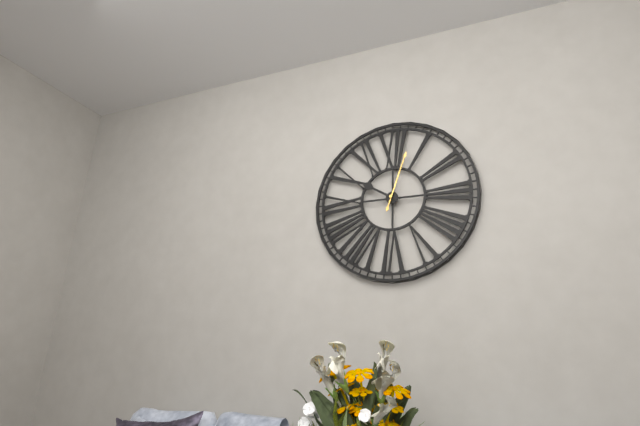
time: 10.03
